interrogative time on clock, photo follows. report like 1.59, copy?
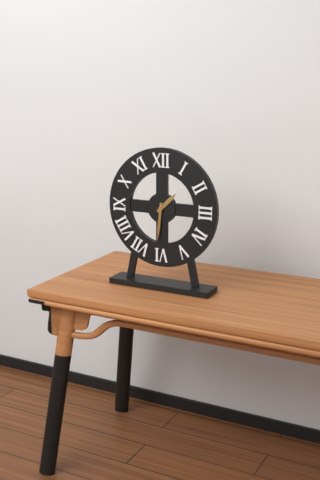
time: 1.31
